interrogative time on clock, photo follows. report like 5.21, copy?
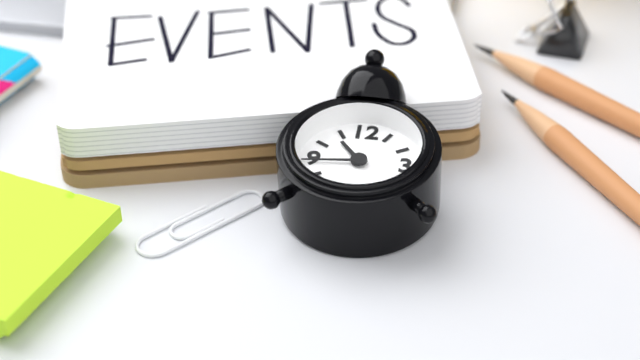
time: 10.44
